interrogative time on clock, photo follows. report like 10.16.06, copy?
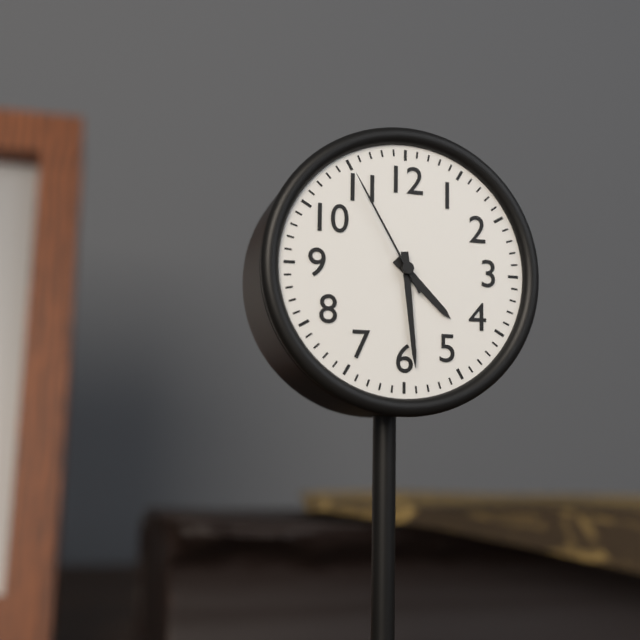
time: 4.29.55
